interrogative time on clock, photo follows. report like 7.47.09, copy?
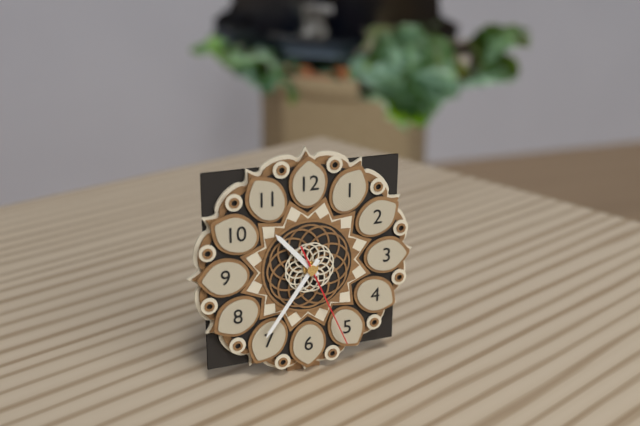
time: 10.36.26
